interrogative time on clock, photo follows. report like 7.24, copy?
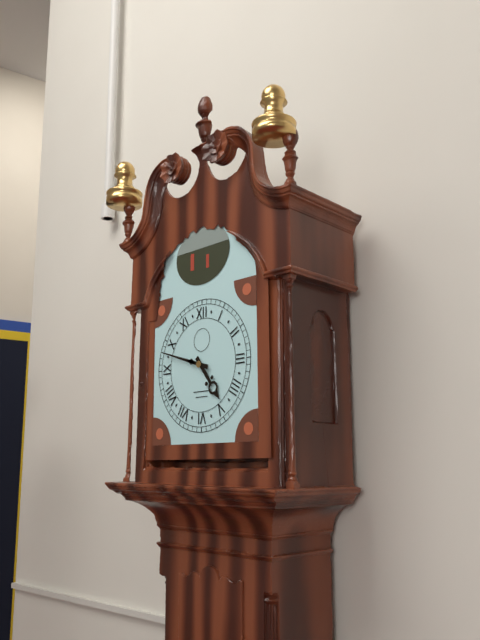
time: 4.48
